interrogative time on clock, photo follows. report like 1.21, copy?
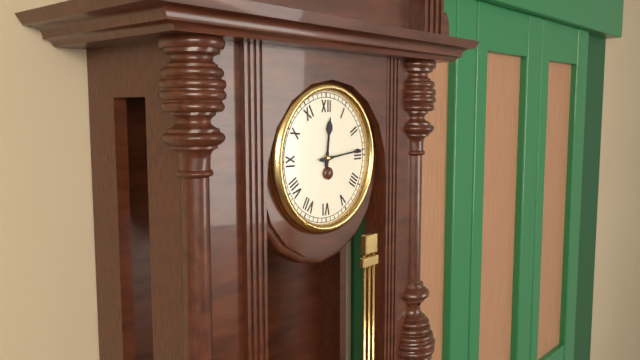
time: 12.14
